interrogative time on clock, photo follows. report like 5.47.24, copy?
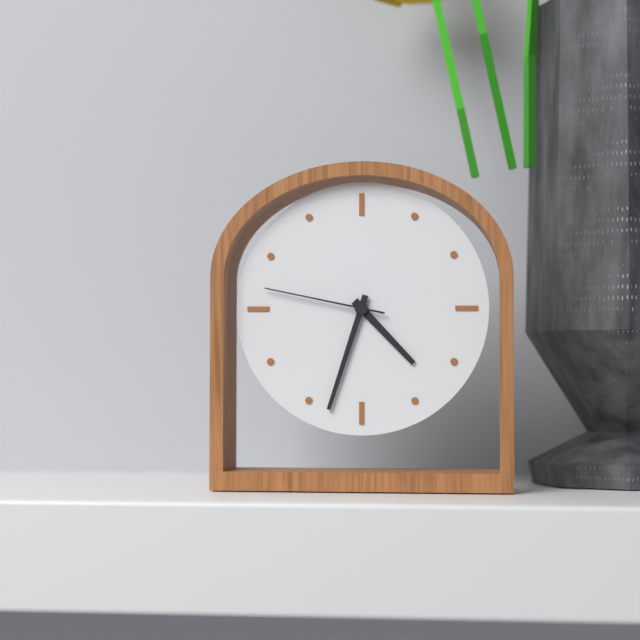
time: 4.33.47
